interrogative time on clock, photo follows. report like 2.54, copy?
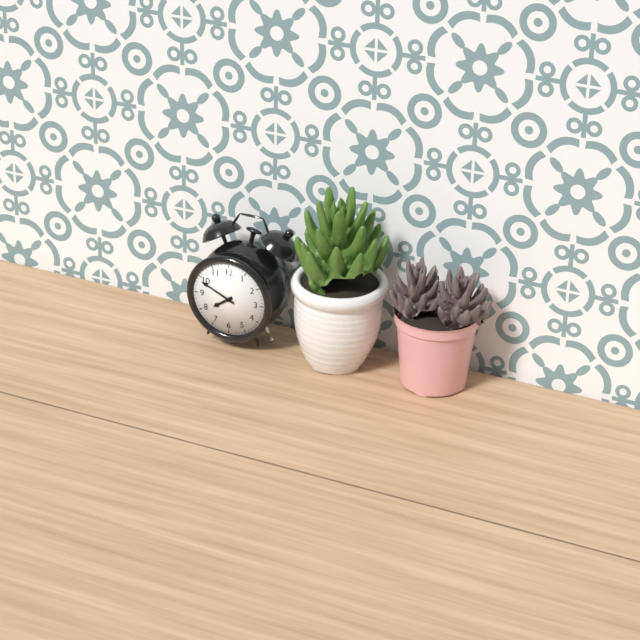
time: 7.49
